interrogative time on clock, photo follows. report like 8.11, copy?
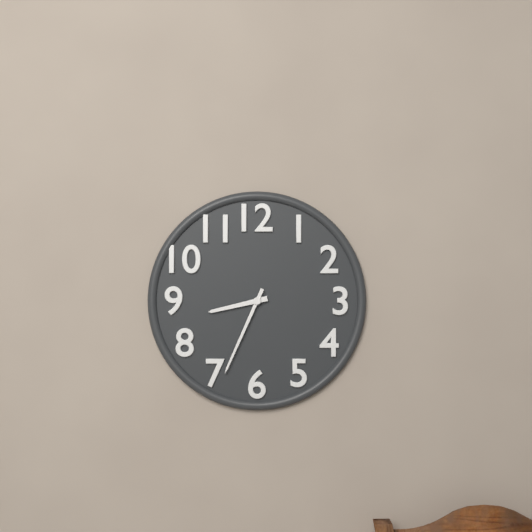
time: 8.34
